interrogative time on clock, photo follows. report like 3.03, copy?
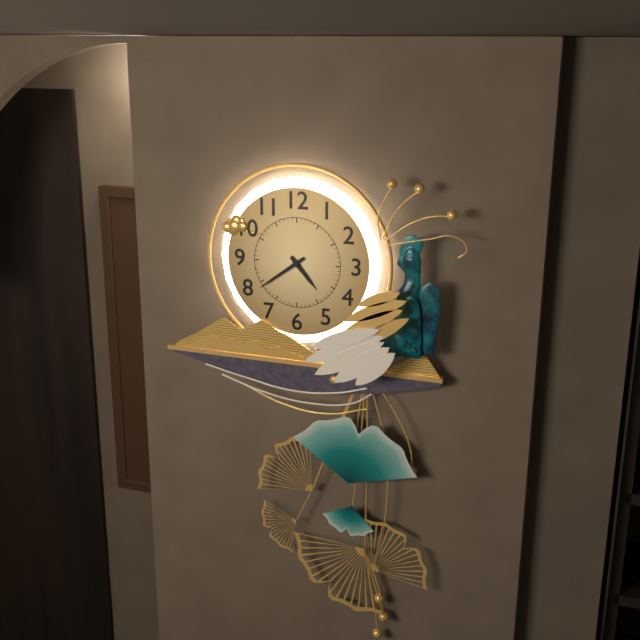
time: 4.39
